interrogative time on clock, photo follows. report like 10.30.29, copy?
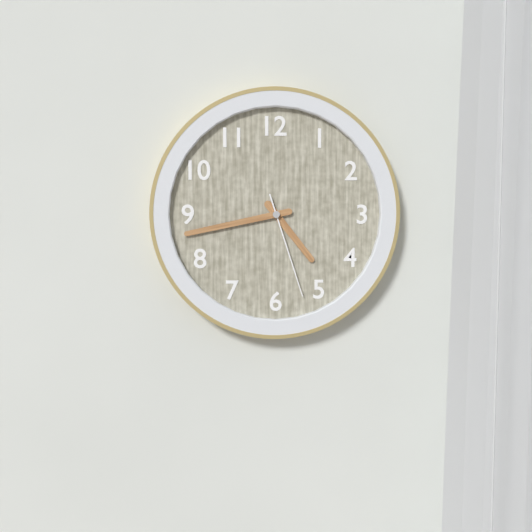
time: 4.43.27
